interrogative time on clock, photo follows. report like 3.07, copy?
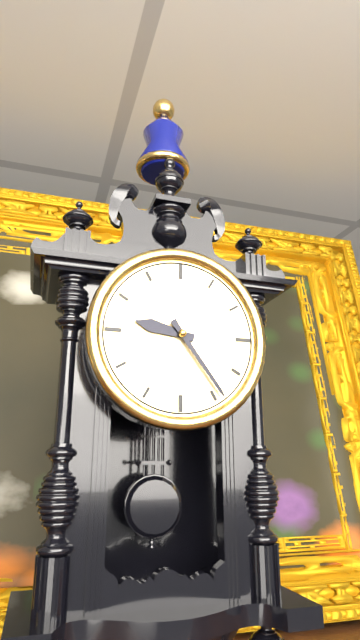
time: 9.24
